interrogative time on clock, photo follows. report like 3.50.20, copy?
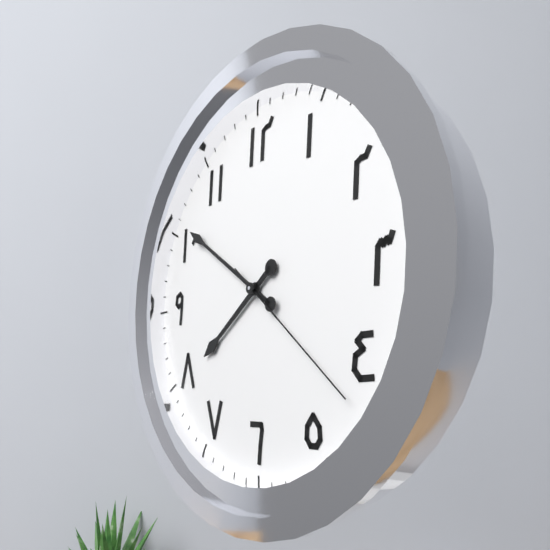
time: 7.51.22
